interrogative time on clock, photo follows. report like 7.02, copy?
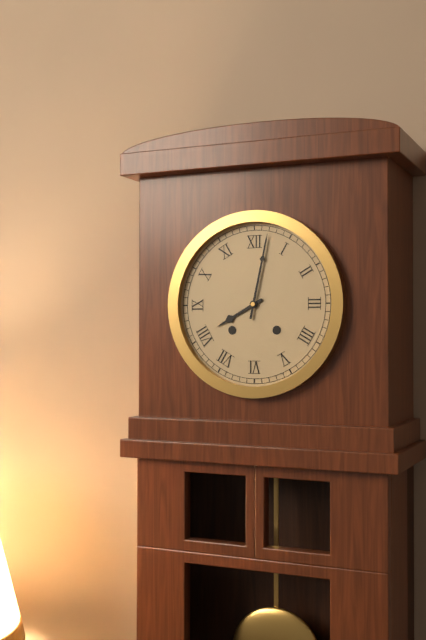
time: 8.02
